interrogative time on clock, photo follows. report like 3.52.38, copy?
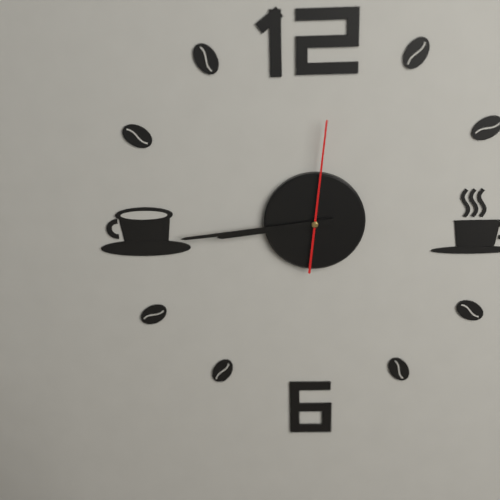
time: 8.44.01
